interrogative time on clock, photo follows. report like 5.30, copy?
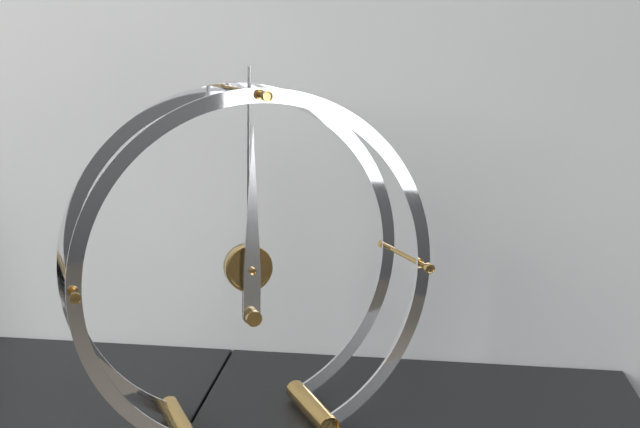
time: 12.00
